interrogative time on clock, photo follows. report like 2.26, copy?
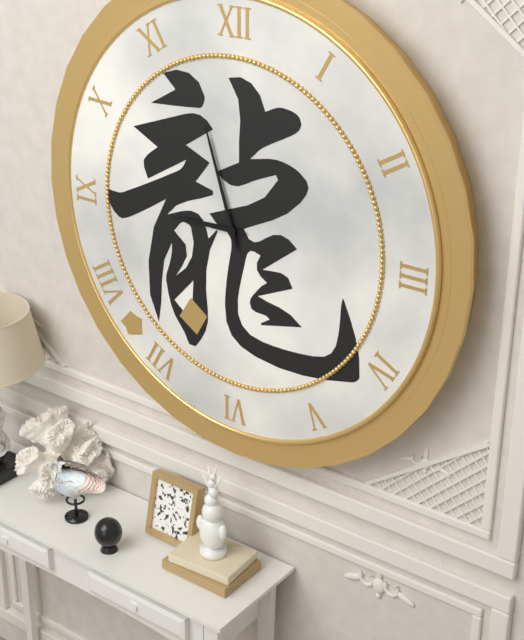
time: 8.57
